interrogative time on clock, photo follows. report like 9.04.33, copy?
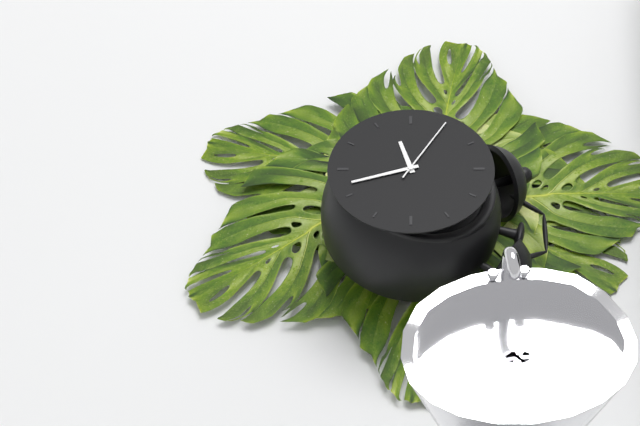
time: 8.27.50
